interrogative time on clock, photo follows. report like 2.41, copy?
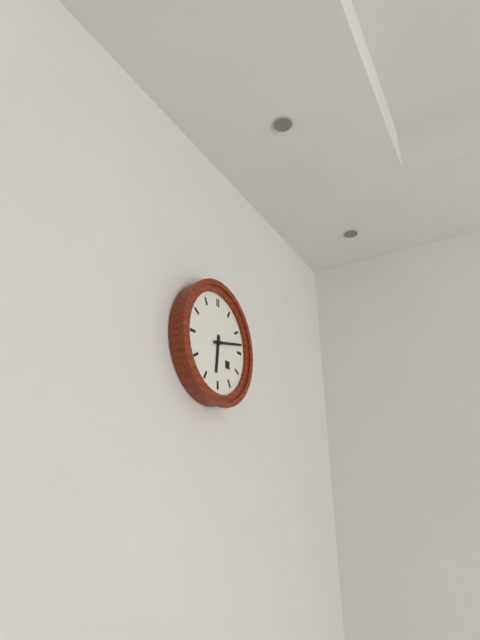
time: 6.13
